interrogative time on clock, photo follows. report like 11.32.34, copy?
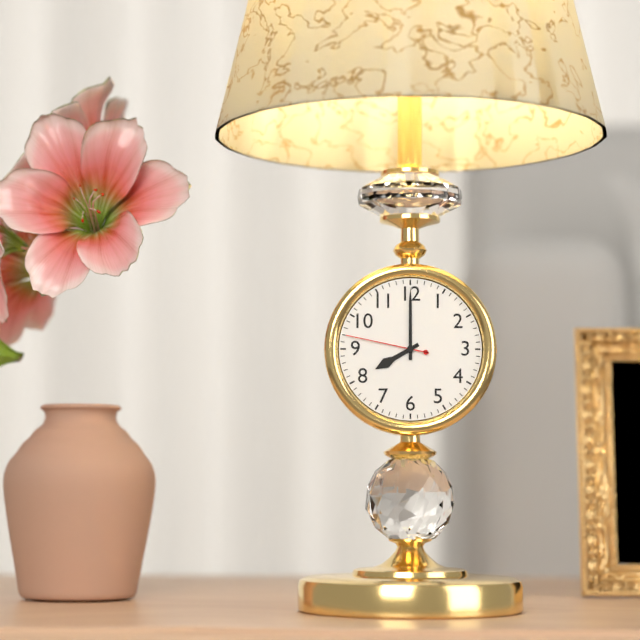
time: 8.00.47
